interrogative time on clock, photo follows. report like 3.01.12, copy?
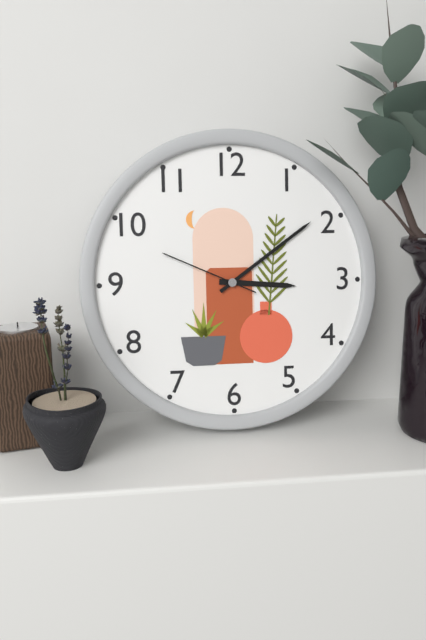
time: 3.09.49
